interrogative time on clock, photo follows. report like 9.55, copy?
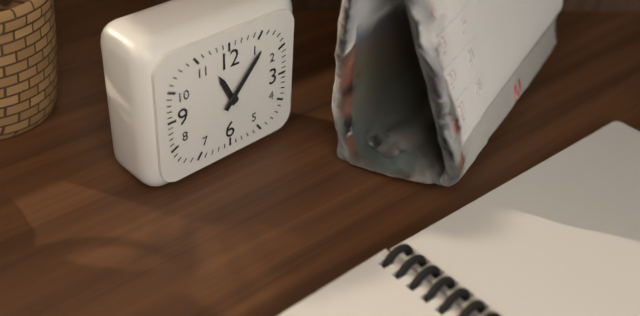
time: 11.07
